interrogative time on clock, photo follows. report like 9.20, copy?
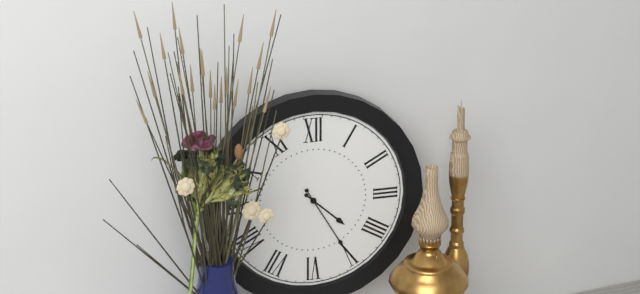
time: 4.25
